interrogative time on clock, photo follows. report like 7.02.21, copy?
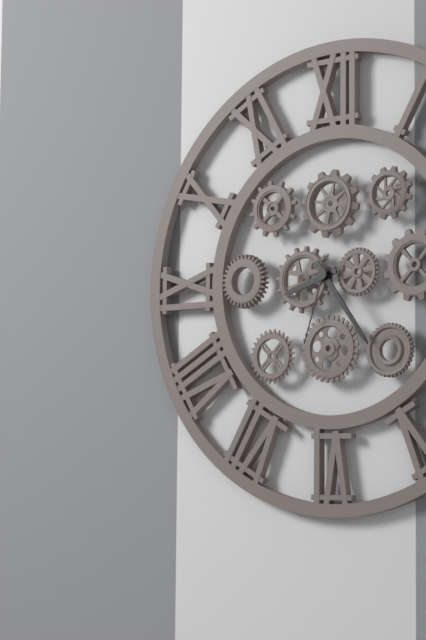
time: 8.24.33
